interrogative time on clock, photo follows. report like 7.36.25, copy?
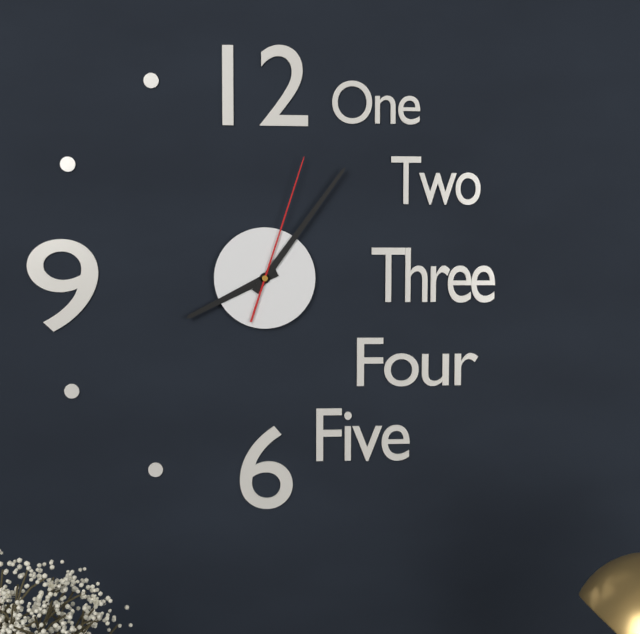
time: 8.06.03
